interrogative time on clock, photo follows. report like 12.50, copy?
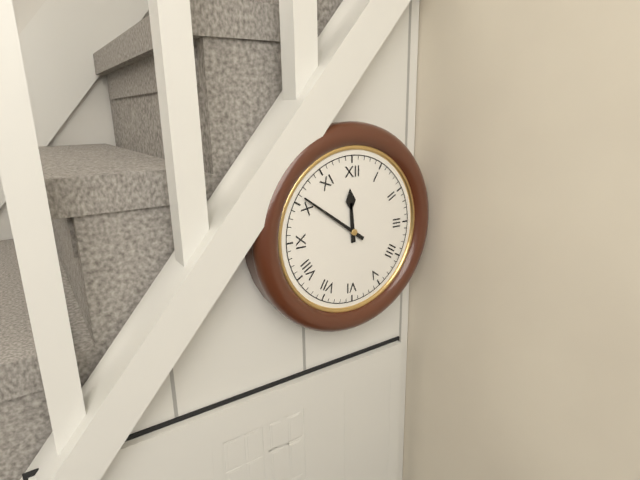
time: 11.51
